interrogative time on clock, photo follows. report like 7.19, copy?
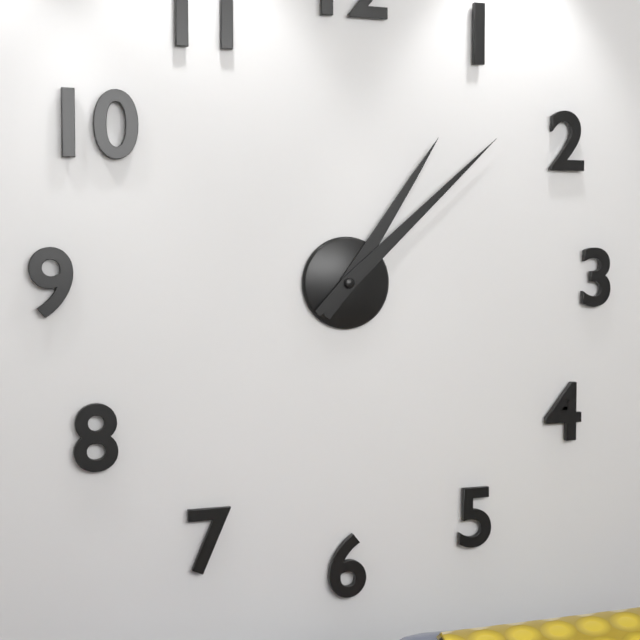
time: 1.08
